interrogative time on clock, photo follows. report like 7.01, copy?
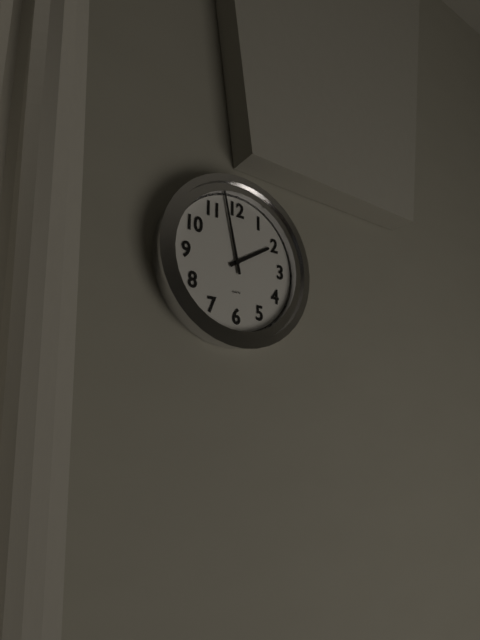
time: 1.58
